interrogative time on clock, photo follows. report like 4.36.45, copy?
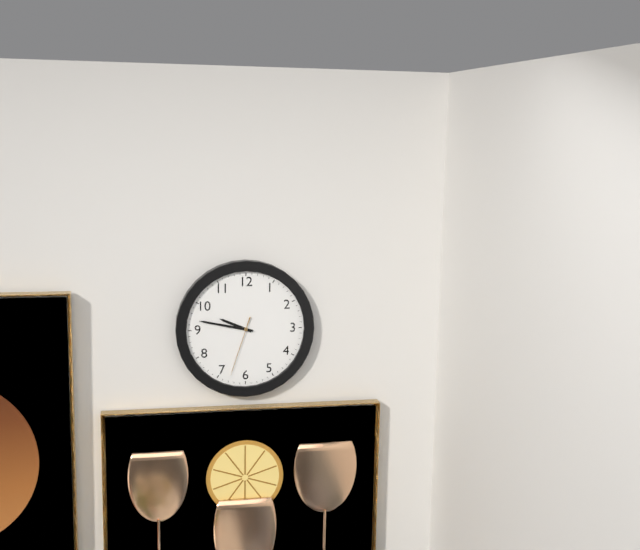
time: 9.47.33
